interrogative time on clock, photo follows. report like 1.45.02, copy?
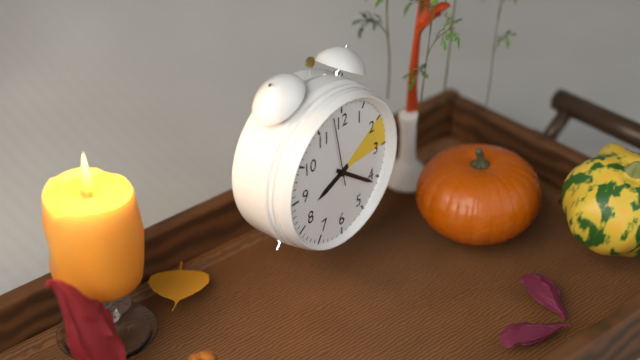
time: 8.21.58
